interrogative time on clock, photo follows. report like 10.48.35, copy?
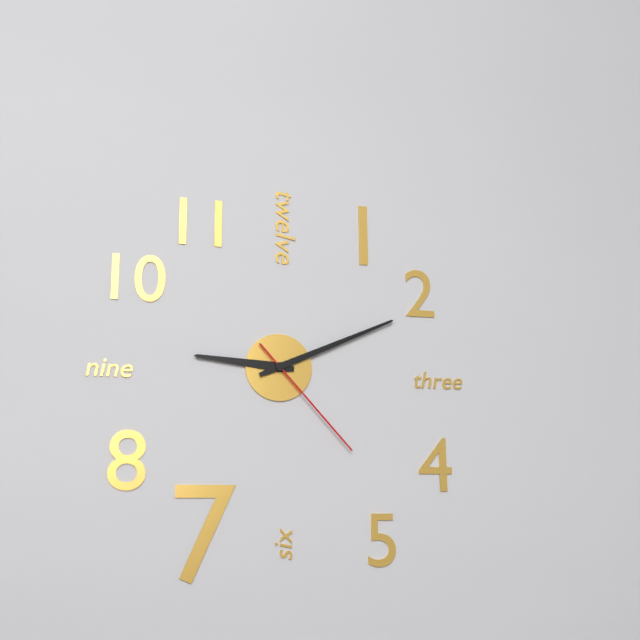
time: 9.11.23
